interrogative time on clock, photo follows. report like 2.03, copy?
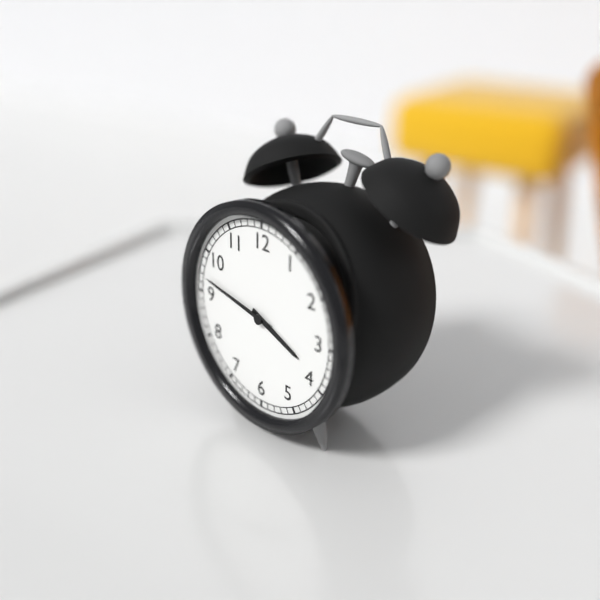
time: 3.47
